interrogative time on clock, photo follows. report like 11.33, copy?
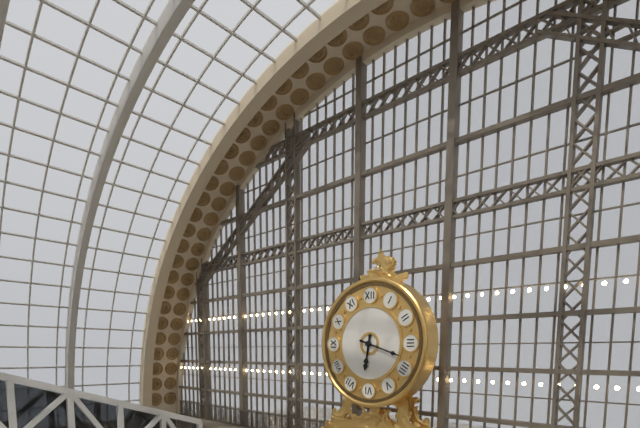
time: 6.18
